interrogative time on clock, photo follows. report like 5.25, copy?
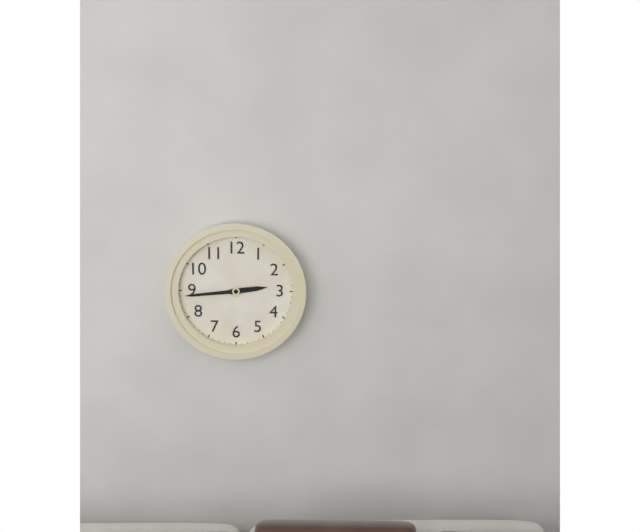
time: 2.44
